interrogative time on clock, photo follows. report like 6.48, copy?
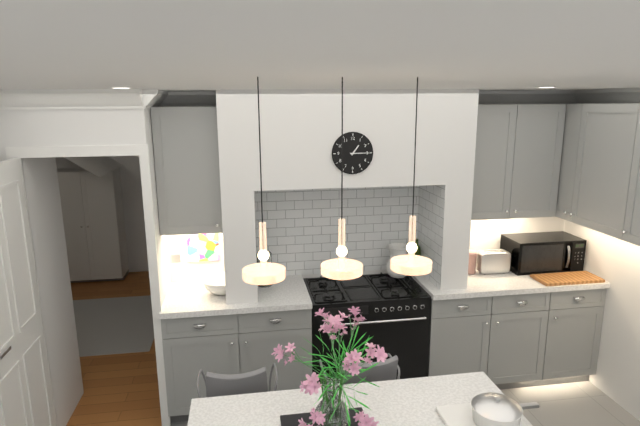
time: 1.15
